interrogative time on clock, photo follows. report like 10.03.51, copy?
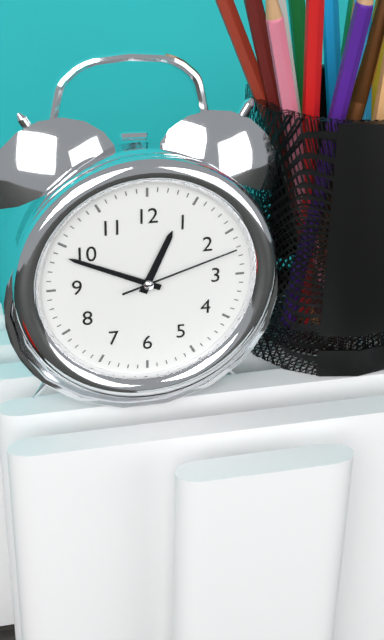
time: 12.49.12
